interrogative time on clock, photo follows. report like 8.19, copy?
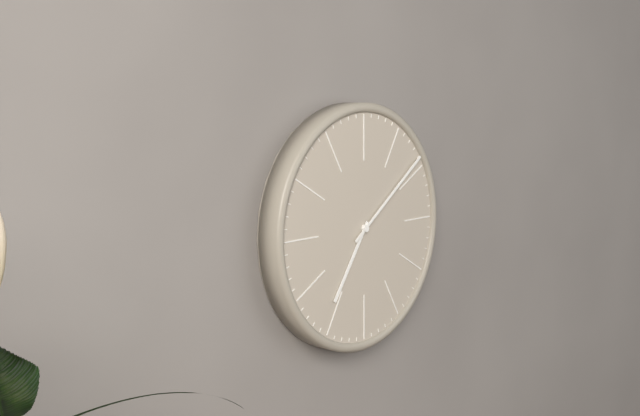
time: 7.09
